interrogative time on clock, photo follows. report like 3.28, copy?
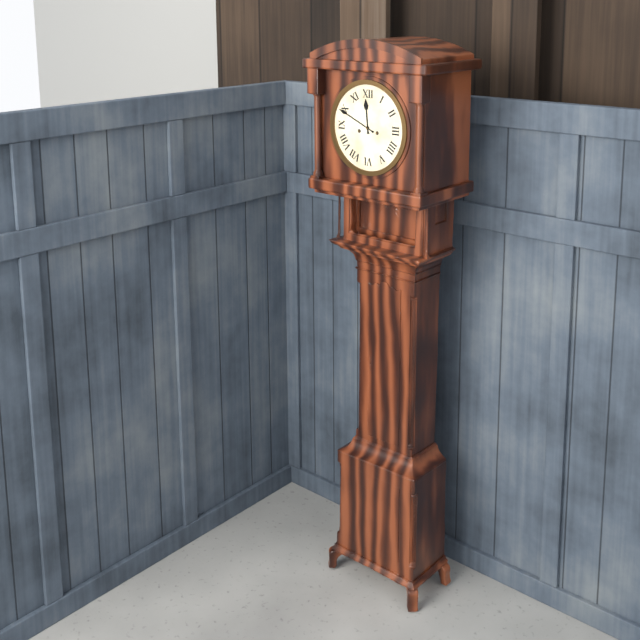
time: 11.49
